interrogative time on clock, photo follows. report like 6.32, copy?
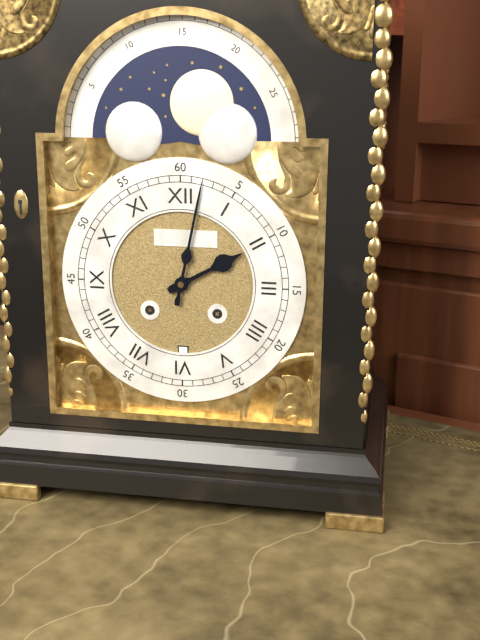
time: 2.02
